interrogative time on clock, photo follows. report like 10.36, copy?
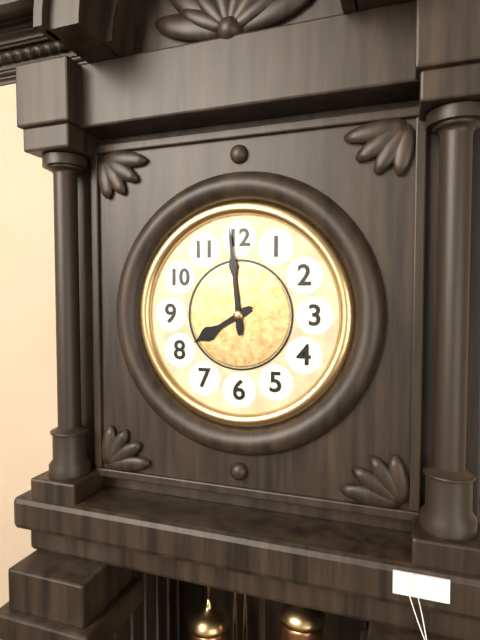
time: 7.59
